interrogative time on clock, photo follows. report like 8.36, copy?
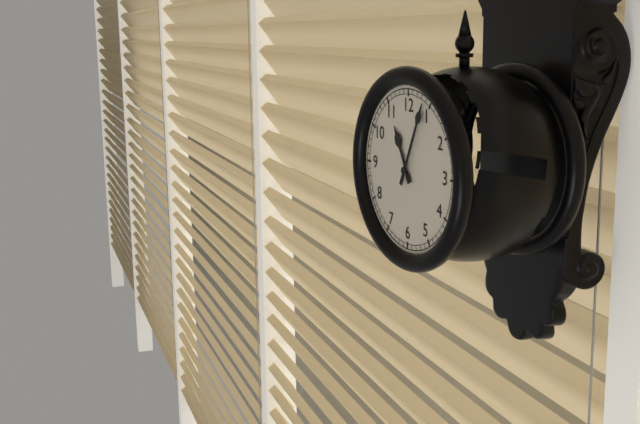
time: 11.04
